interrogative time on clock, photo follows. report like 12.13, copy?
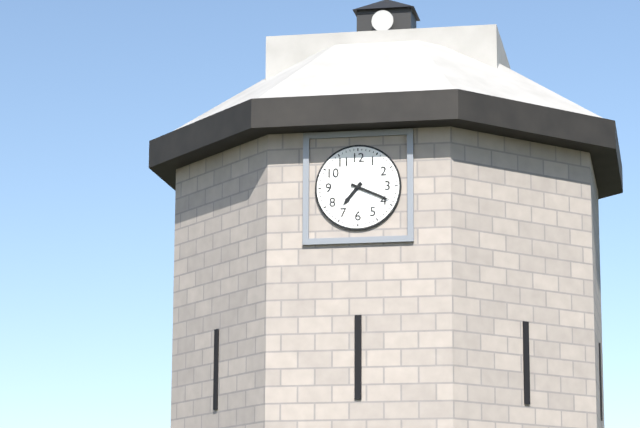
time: 7.19
